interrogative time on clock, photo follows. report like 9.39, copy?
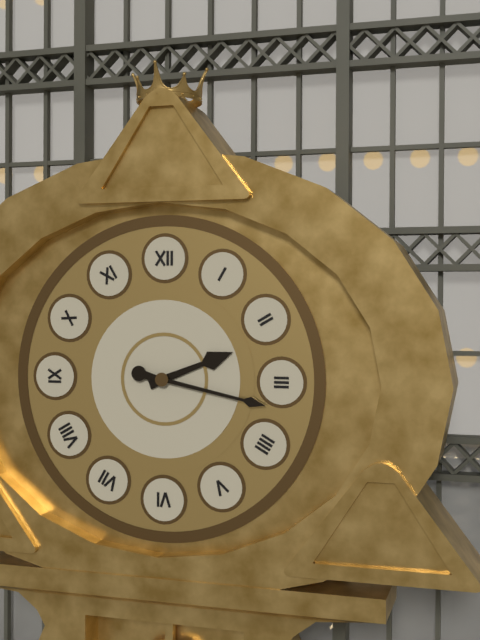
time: 2.17
